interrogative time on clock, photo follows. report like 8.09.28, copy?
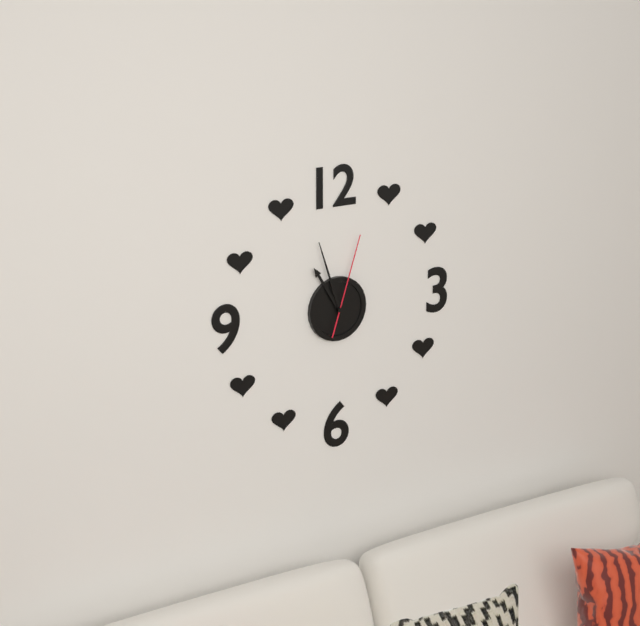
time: 10.57.03
